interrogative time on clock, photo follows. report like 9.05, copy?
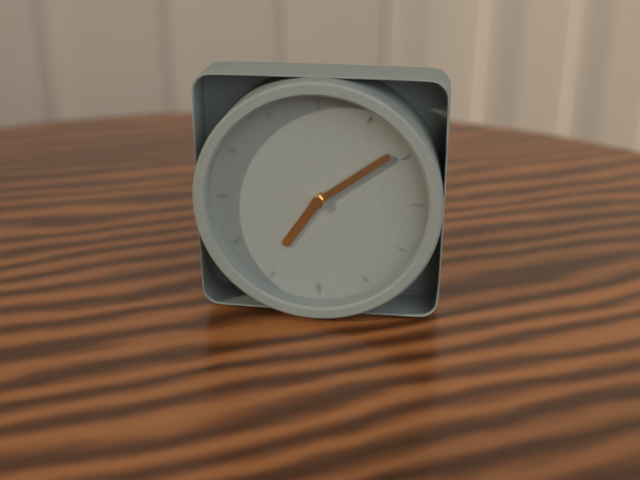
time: 7.09
